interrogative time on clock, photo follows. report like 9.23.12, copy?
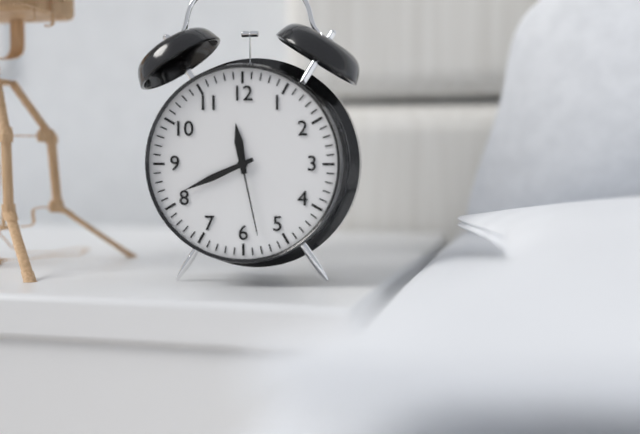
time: 11.41.28
